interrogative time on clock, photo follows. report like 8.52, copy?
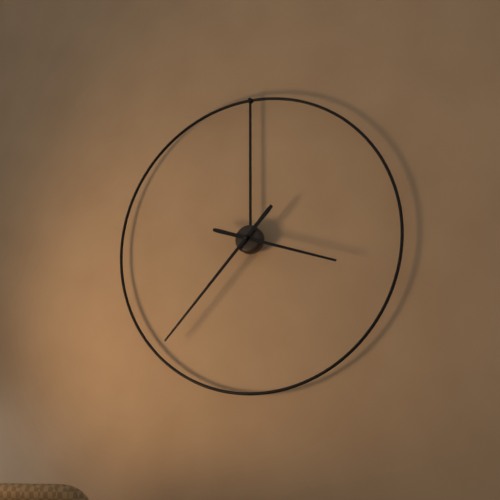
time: 3.37
